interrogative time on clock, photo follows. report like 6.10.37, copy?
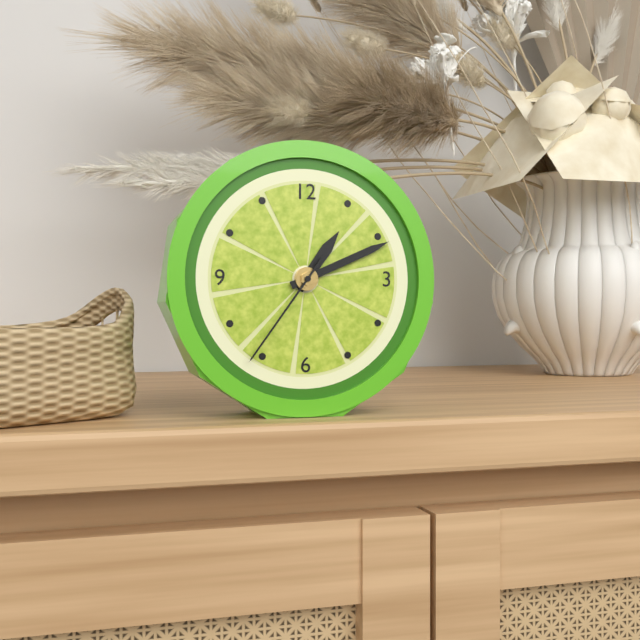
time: 1.11.36
